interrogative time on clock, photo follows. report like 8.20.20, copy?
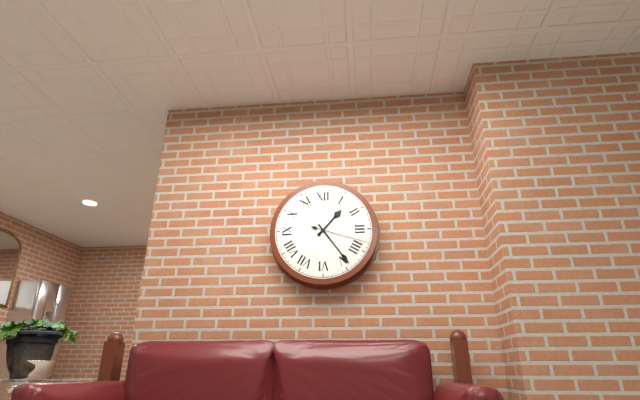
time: 1.24.18
